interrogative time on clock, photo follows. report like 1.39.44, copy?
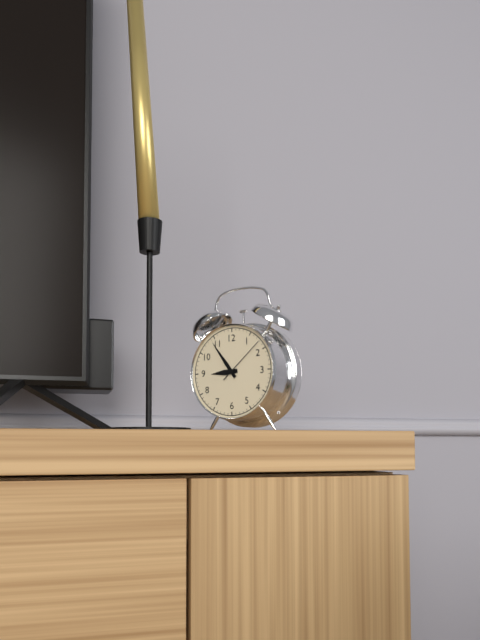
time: 8.54.08
